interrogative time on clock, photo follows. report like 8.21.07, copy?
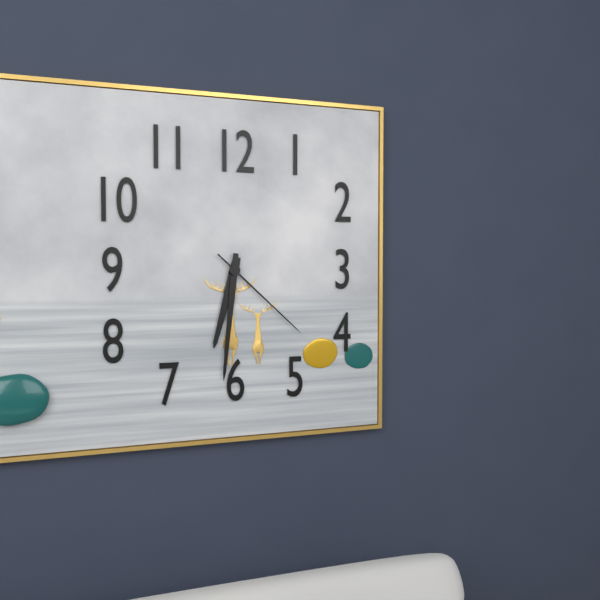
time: 6.31.22
